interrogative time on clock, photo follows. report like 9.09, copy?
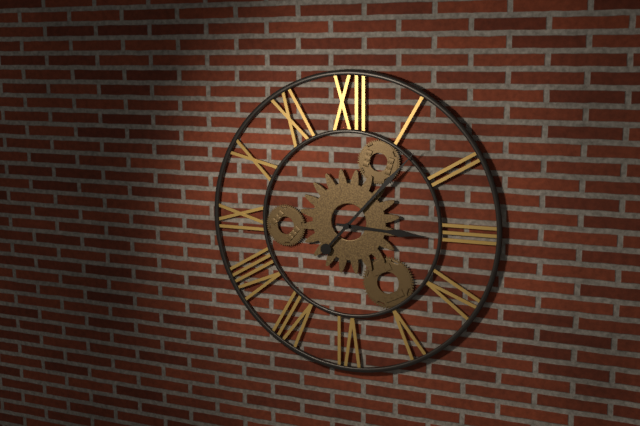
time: 3.07
